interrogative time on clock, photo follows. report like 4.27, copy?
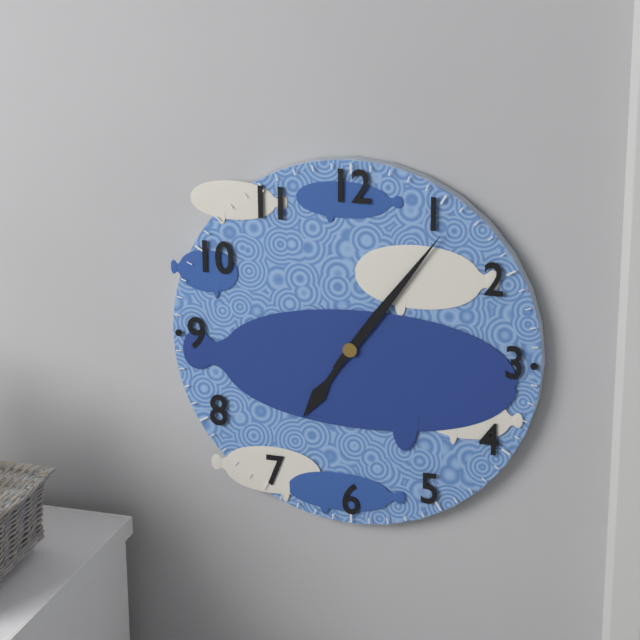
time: 7.06
